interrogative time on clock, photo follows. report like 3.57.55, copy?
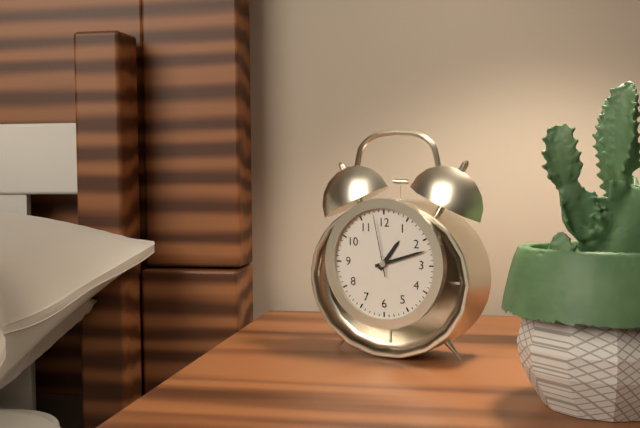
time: 1.12.58
